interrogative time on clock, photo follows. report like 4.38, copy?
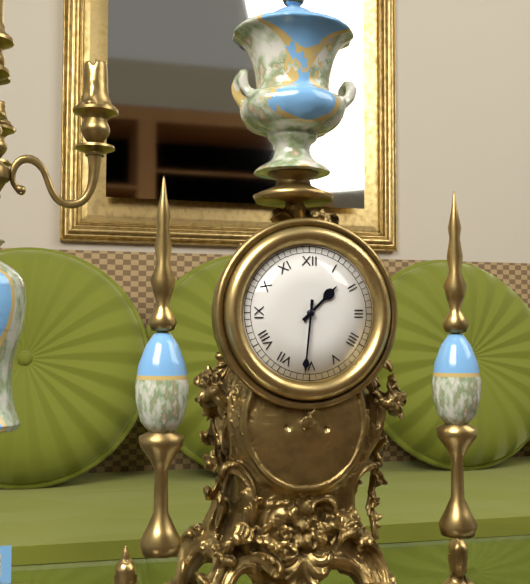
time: 1.31
